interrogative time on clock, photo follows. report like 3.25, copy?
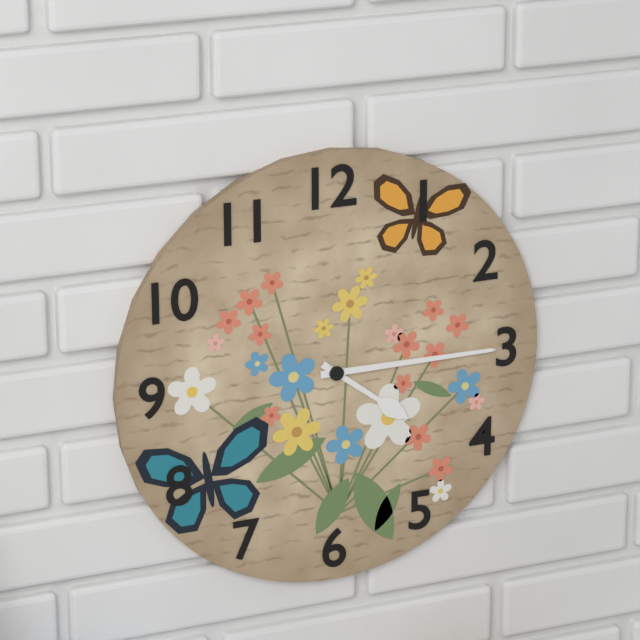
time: 4.15
